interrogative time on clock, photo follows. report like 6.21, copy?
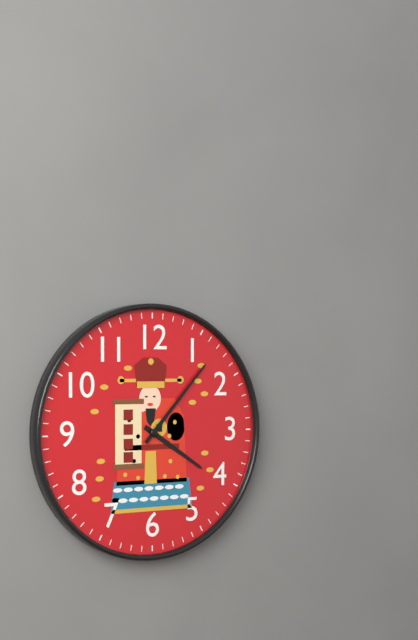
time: 4.07
